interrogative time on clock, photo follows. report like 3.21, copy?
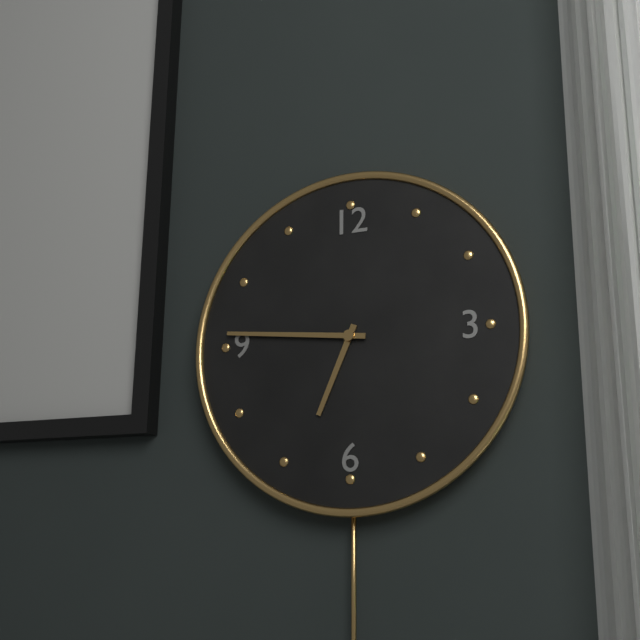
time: 6.46
